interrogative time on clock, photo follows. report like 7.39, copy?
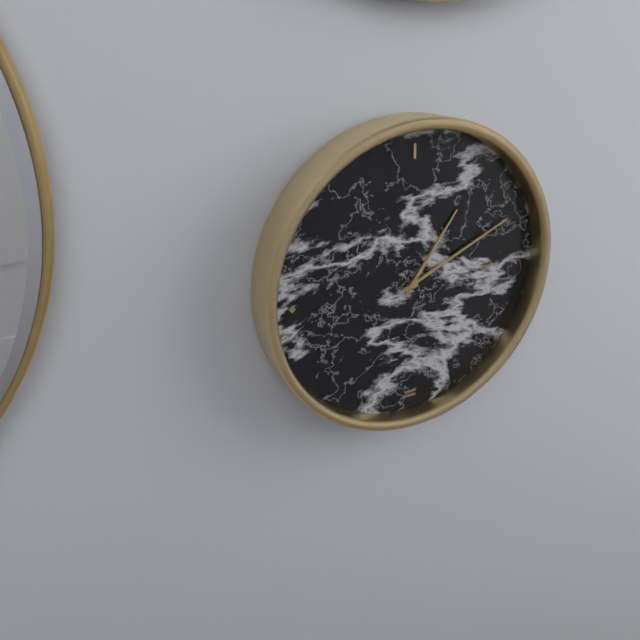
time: 1.11
